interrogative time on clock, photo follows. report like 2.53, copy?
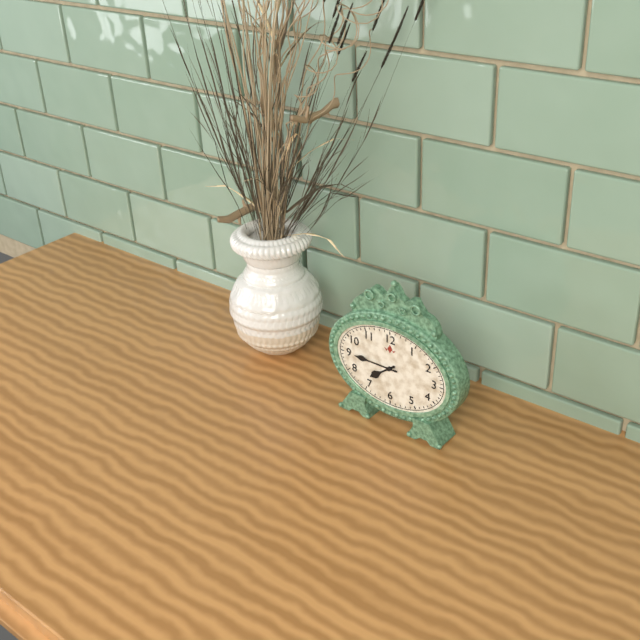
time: 7.45
